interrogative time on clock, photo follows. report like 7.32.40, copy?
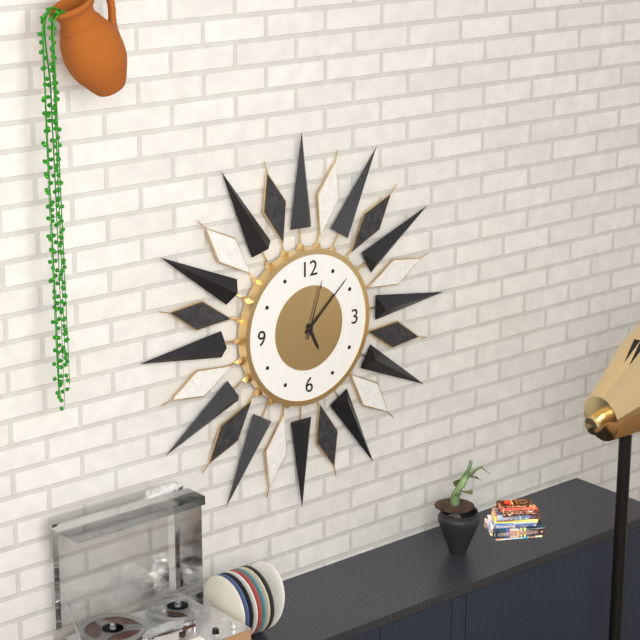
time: 5.08.03
